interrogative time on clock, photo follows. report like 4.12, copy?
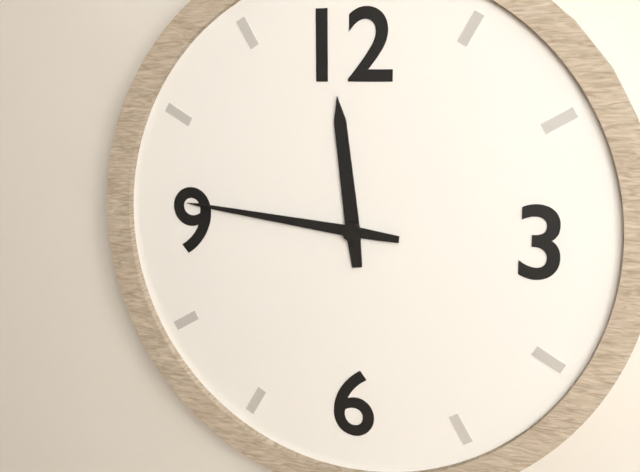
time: 11.46
